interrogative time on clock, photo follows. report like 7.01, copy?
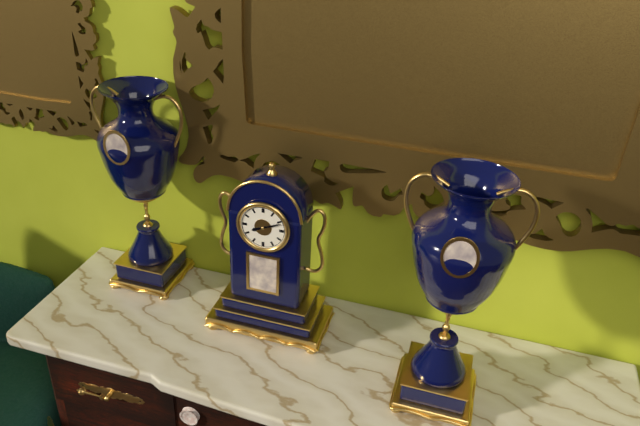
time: 8.11
